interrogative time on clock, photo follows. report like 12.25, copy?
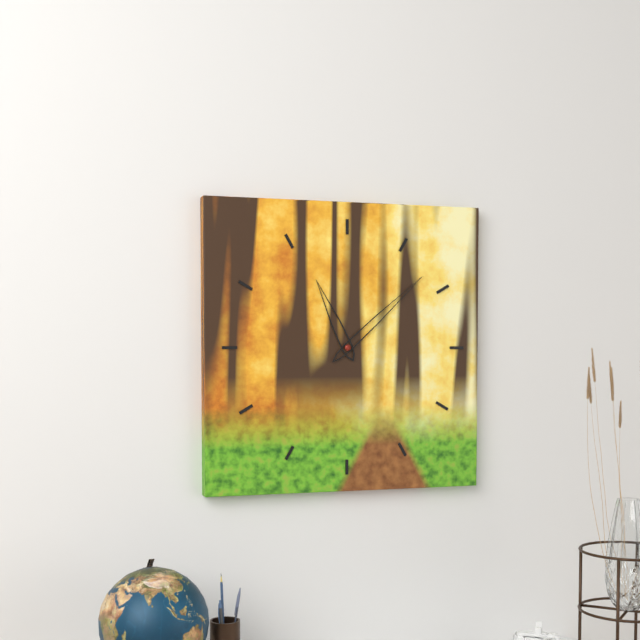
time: 11.08
